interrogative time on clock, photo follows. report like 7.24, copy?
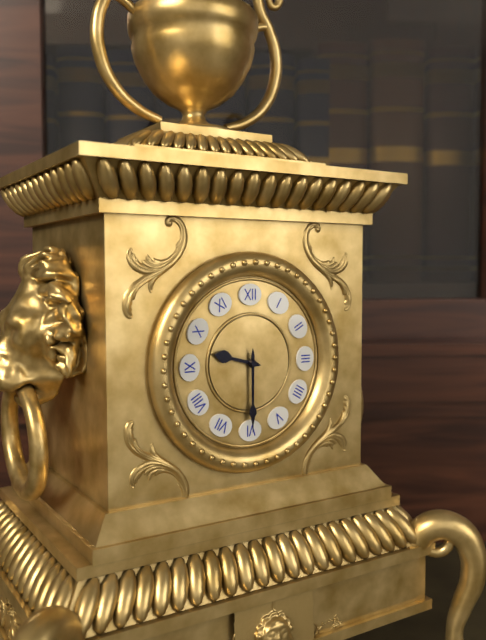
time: 9.30
